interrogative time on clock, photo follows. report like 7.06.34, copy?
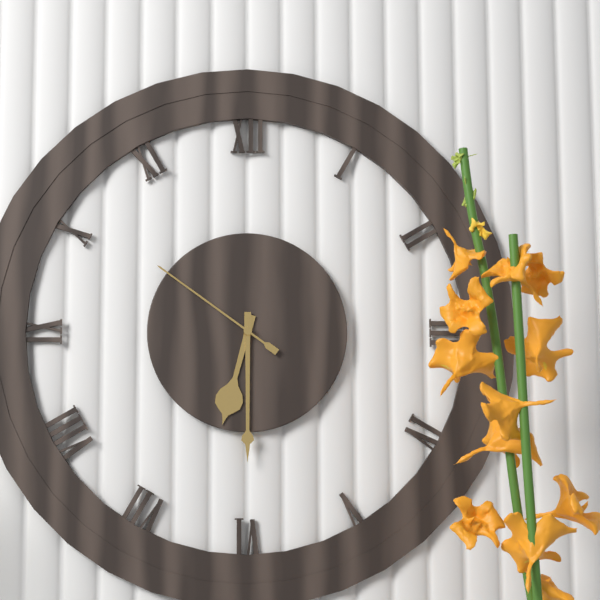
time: 6.30.51
